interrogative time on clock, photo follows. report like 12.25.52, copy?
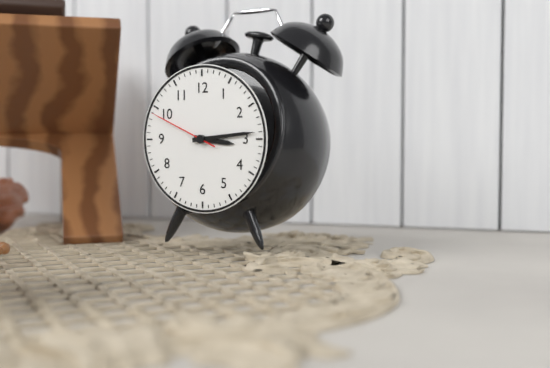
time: 3.14.49
